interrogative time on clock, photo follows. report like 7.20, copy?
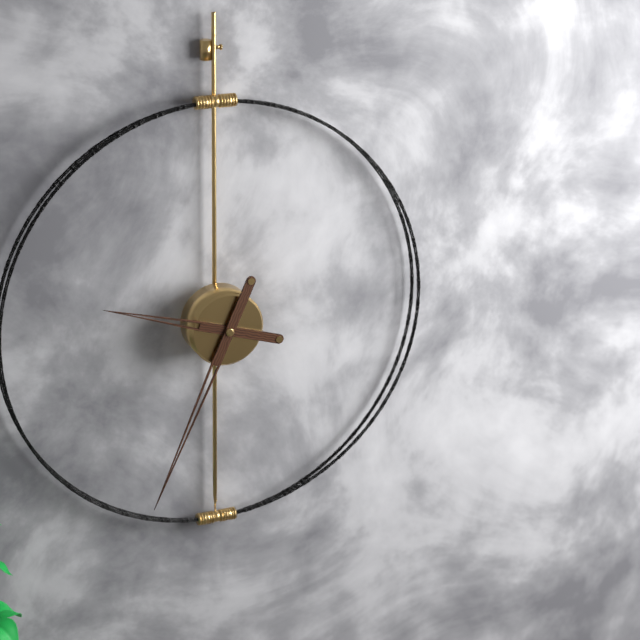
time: 9.34
